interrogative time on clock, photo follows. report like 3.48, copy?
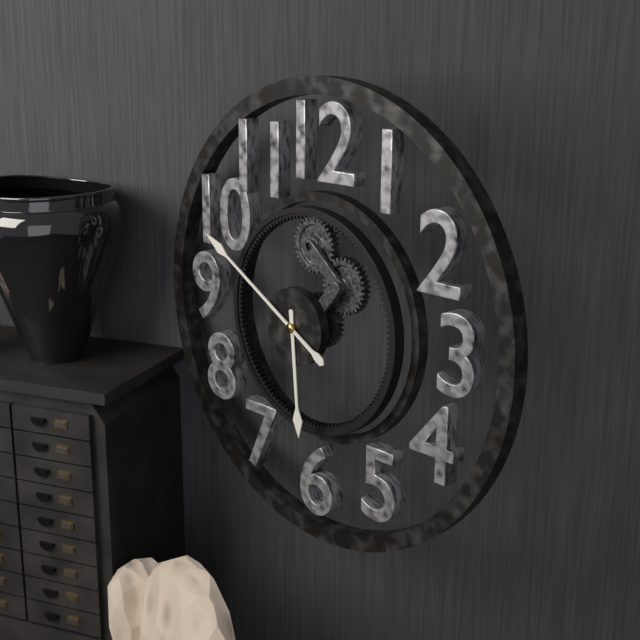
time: 5.50
